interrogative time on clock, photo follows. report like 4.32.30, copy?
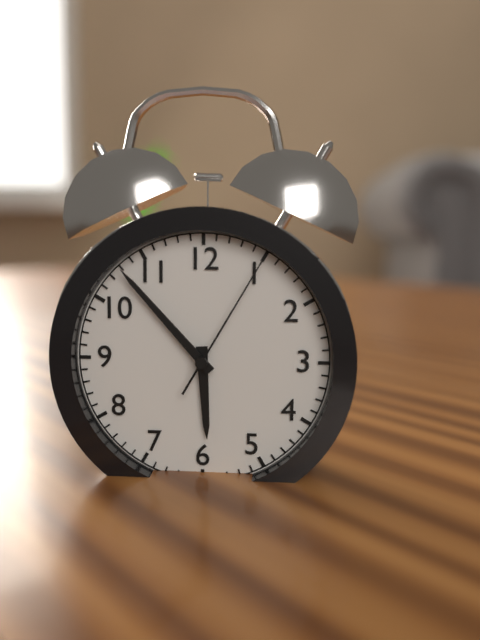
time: 5.53.05
